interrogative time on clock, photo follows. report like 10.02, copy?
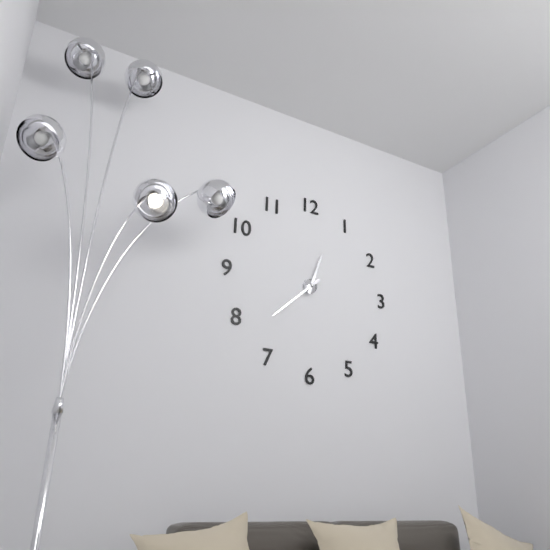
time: 12.38
